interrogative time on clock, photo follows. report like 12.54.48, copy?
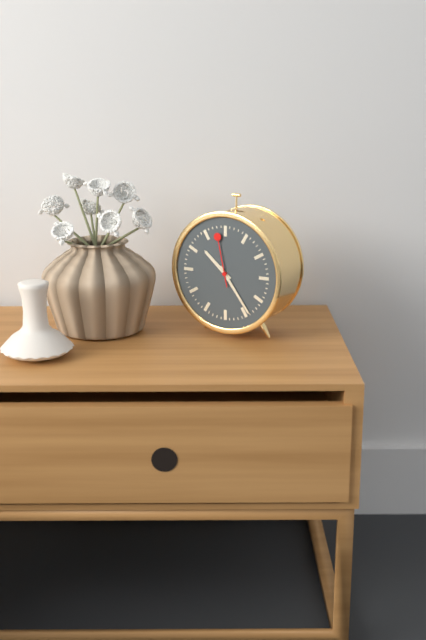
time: 10.24.58
